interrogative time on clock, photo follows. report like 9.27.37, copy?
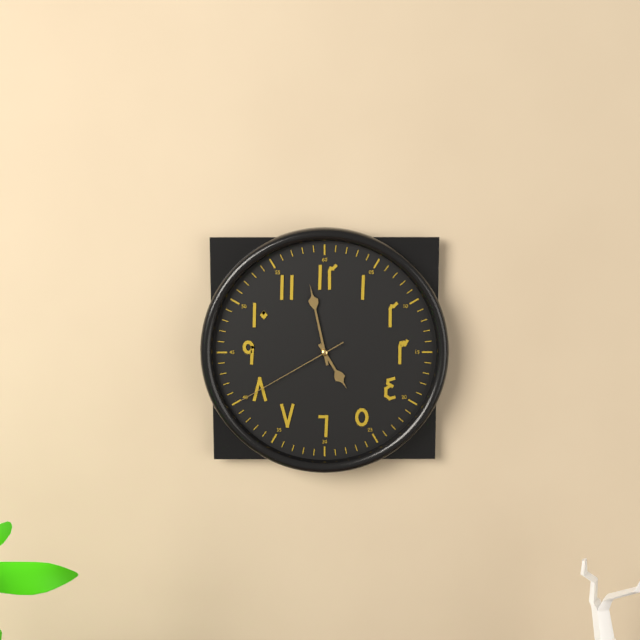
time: 4.58.40
